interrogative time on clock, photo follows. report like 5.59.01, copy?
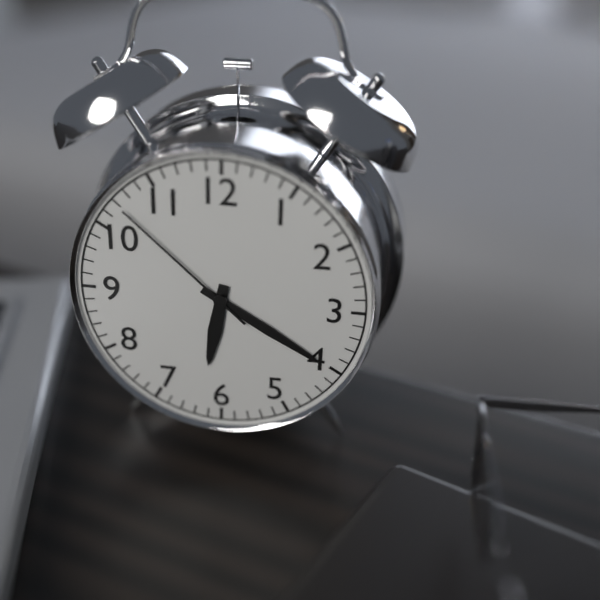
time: 6.20.52
